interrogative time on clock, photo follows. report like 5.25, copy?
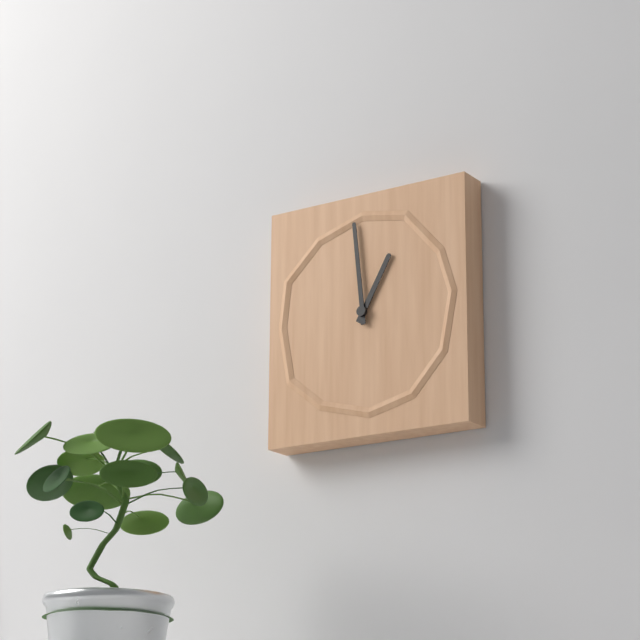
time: 12.59
